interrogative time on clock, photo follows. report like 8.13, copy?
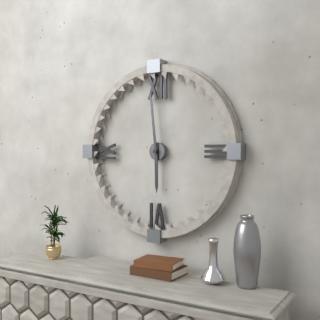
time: 5.59
